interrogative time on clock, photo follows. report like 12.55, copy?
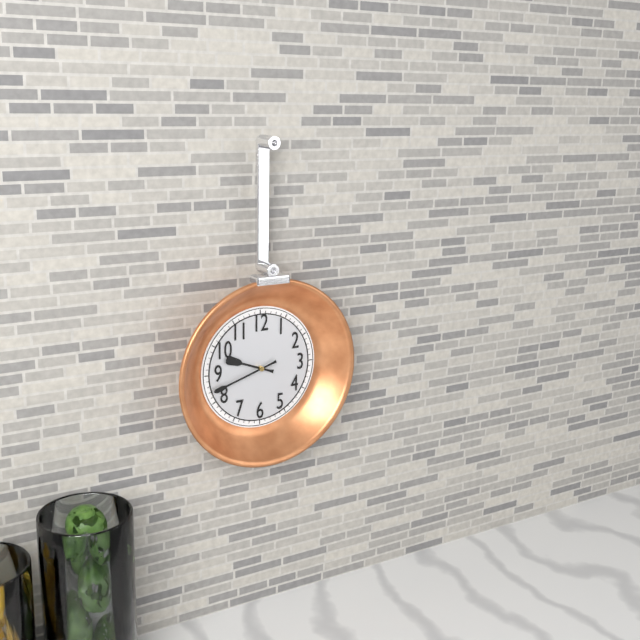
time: 9.42
